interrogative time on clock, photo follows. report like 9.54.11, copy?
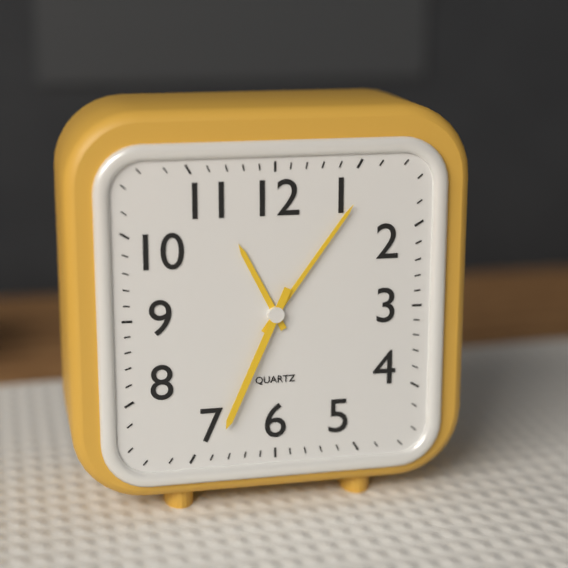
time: 11.06.34
